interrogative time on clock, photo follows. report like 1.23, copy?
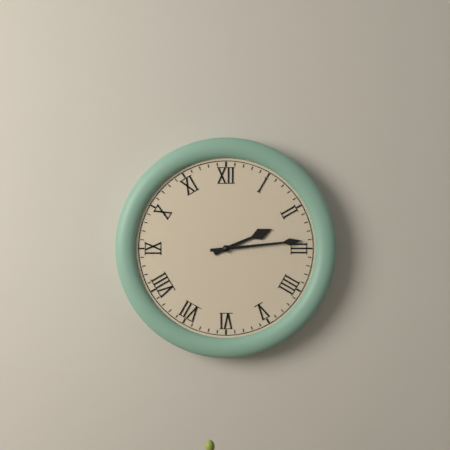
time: 2.14
